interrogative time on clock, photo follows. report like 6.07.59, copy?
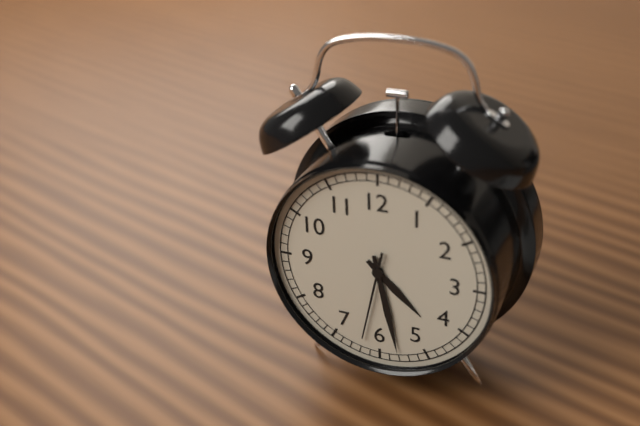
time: 4.28.32
